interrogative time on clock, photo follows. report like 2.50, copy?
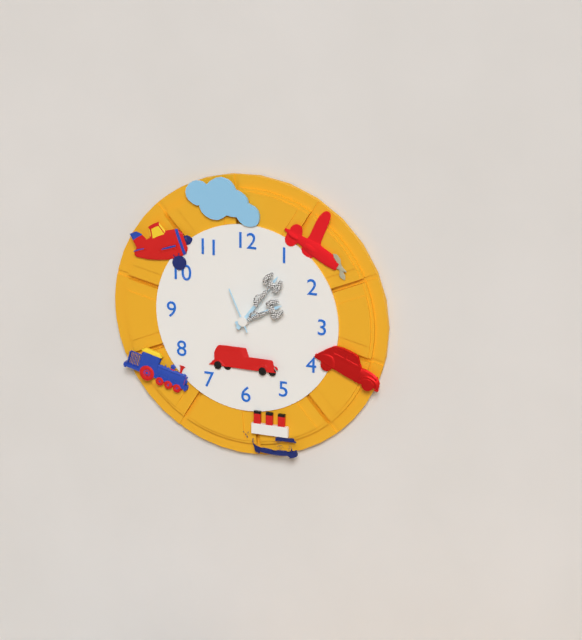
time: 2.06
